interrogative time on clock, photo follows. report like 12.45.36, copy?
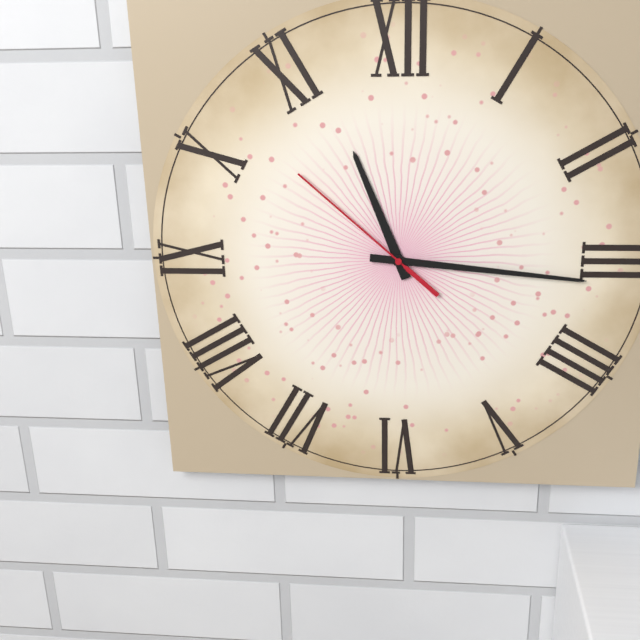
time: 11.16.52
